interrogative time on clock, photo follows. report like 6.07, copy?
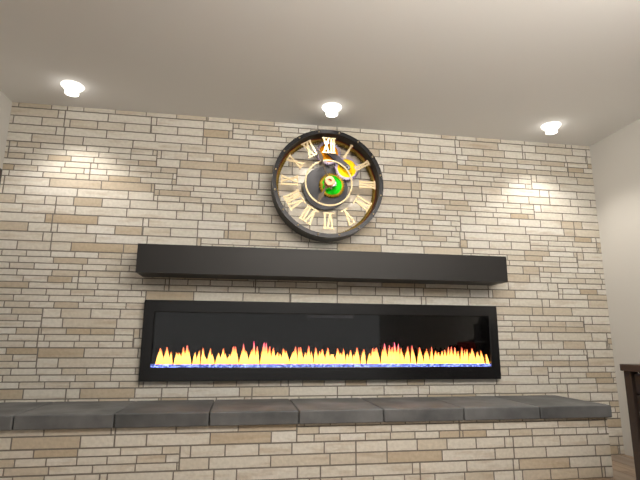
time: 6.57
